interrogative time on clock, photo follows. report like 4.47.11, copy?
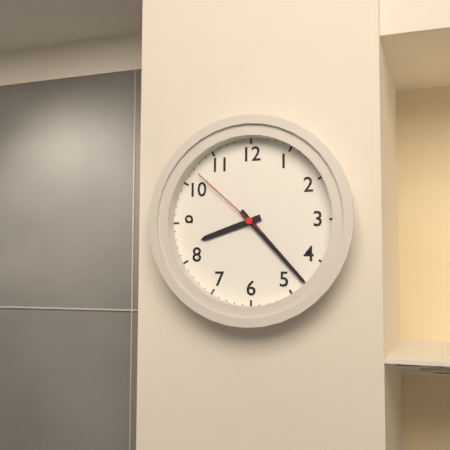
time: 8.23.52
